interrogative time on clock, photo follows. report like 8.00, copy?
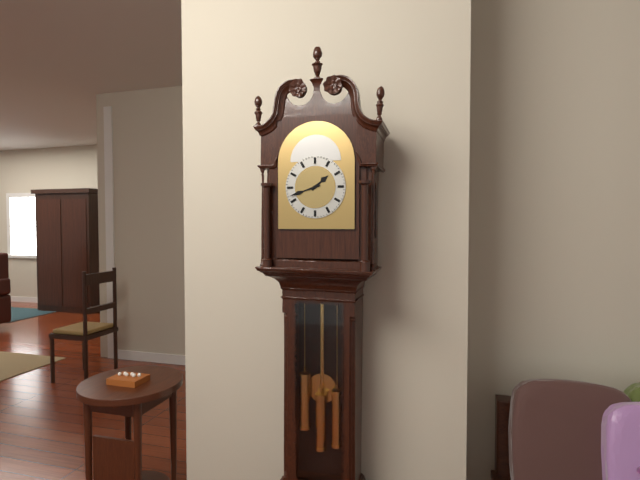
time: 1.42
